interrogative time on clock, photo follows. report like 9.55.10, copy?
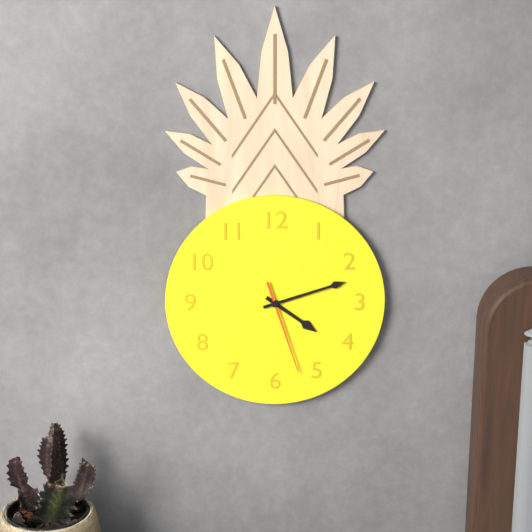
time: 4.12.27
